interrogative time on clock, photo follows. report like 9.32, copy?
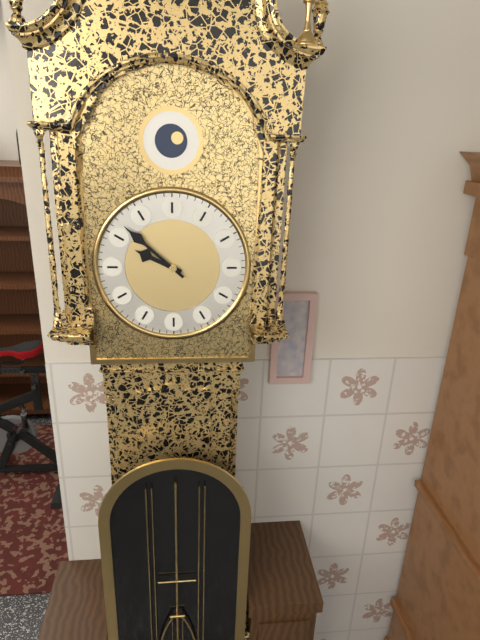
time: 9.52
